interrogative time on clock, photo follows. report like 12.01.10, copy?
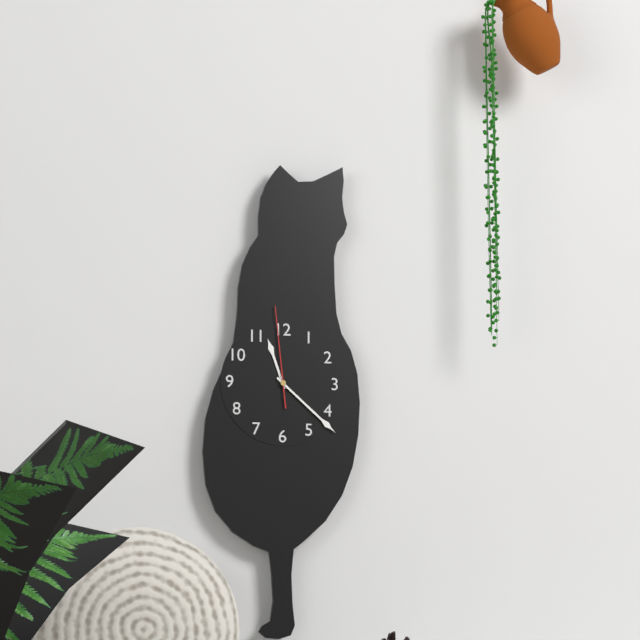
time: 11.22.59
